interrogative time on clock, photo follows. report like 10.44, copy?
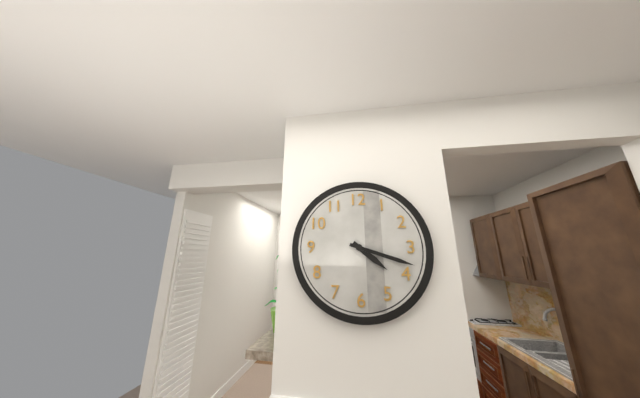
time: 4.18
